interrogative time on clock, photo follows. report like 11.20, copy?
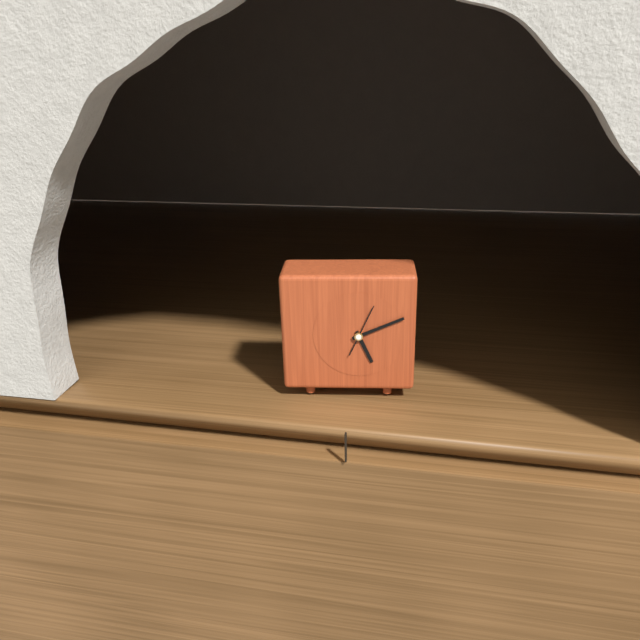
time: 5.11
